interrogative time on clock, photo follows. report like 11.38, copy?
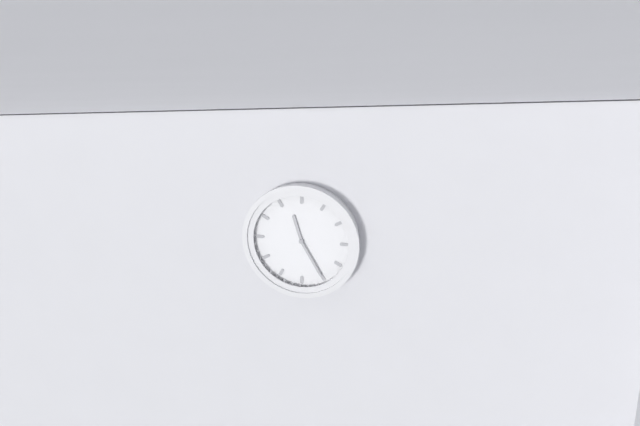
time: 11.25
